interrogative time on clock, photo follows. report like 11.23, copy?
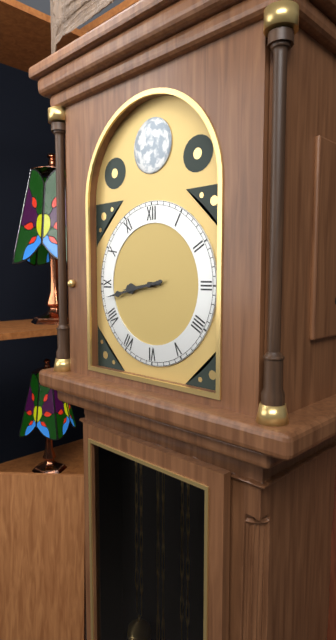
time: 8.43
